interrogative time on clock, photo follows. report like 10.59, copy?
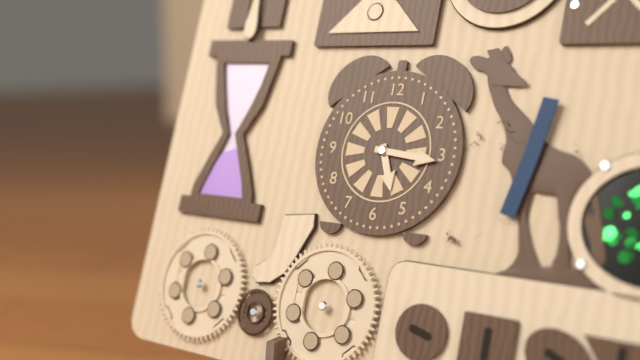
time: 5.16
